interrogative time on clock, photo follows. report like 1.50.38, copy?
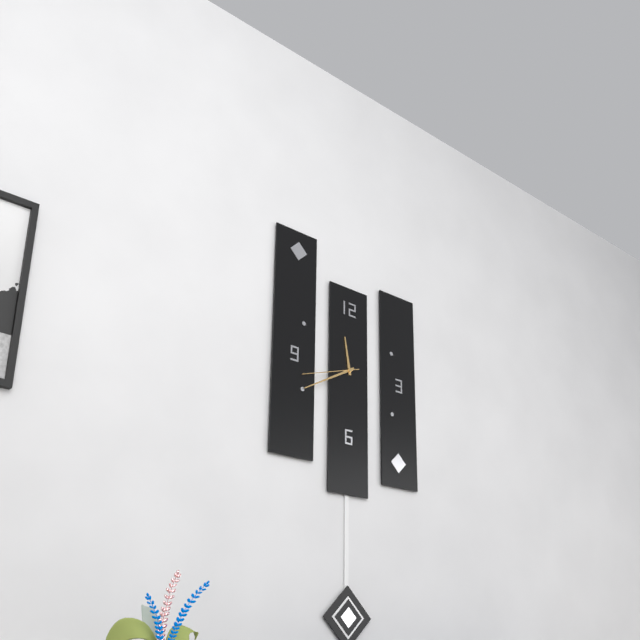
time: 11.40.42
